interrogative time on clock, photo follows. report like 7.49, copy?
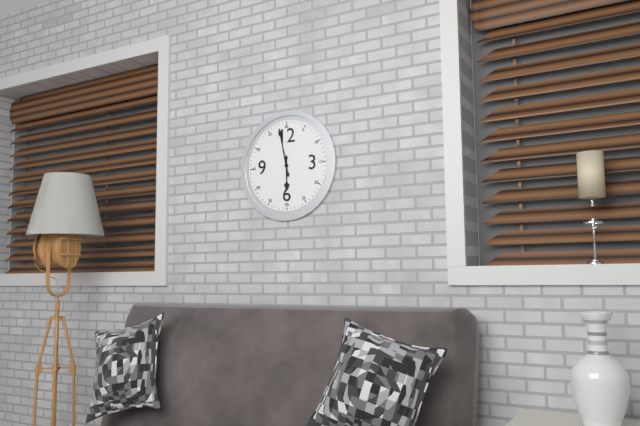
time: 5.58
